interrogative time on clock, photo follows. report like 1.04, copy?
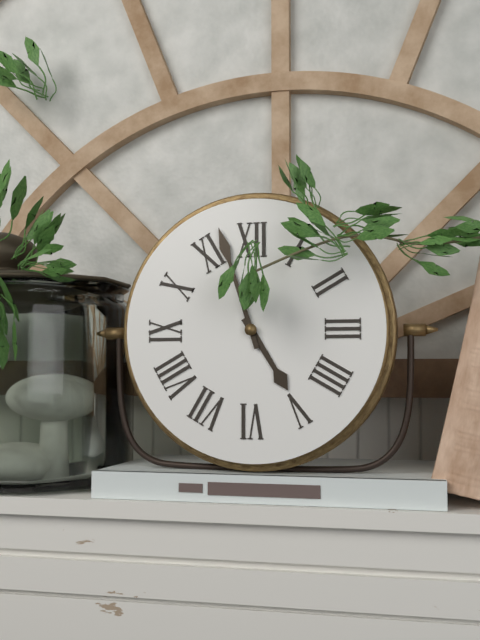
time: 4.57
